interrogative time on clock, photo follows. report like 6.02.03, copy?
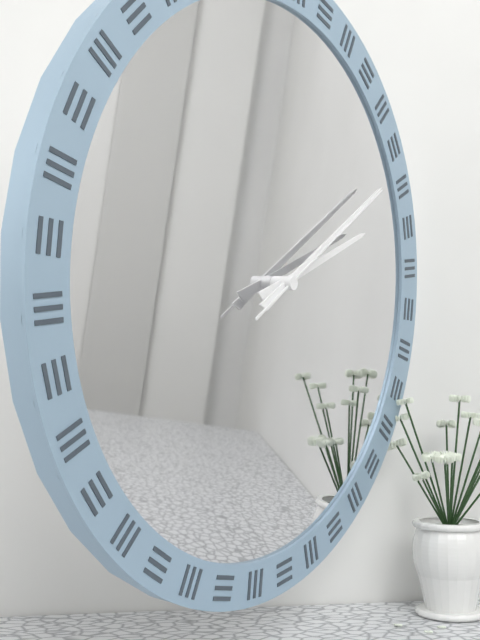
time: 2.09.09
